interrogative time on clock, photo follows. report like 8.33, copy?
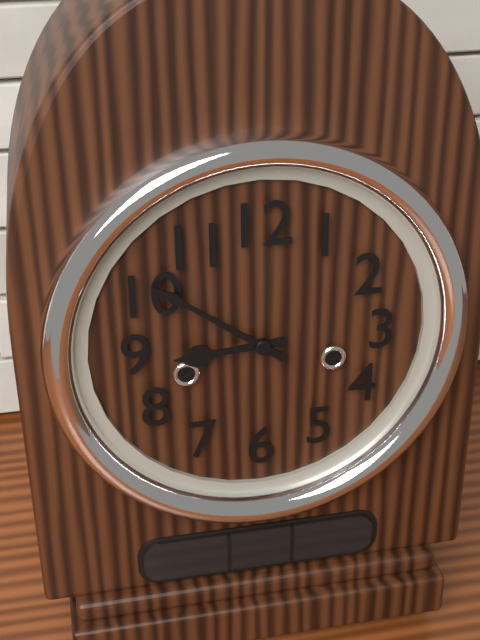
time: 8.51
